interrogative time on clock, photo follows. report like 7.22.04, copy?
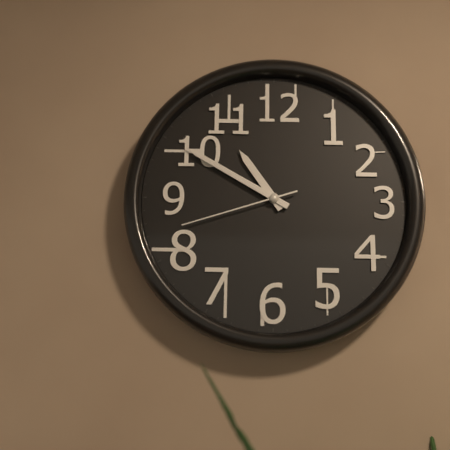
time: 10.50.42
